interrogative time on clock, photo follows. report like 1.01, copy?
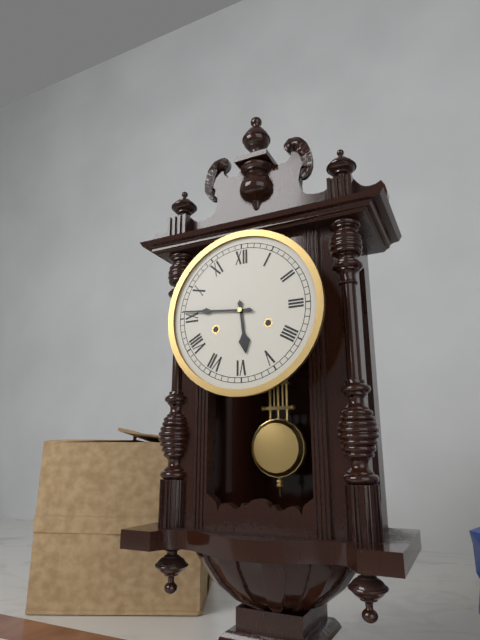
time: 5.46
